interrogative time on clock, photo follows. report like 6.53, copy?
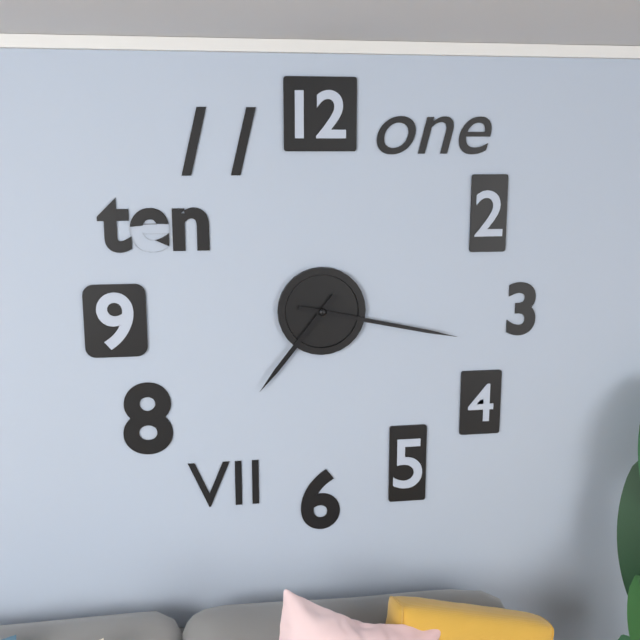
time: 7.17
